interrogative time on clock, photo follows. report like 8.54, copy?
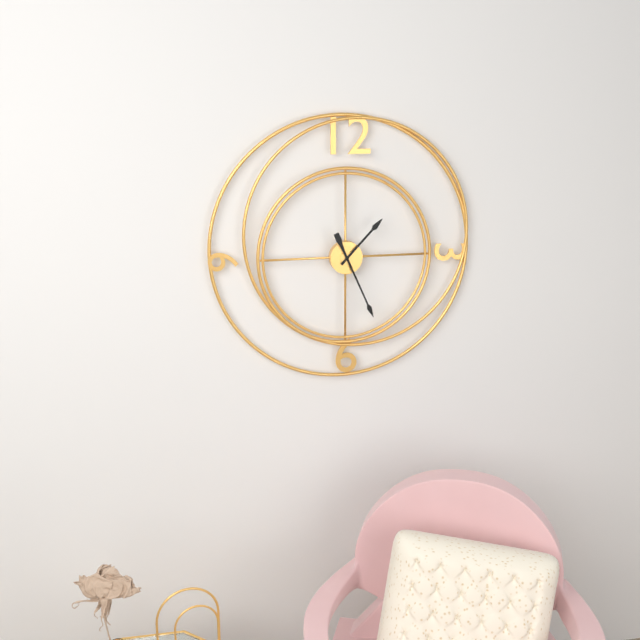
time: 1.26
